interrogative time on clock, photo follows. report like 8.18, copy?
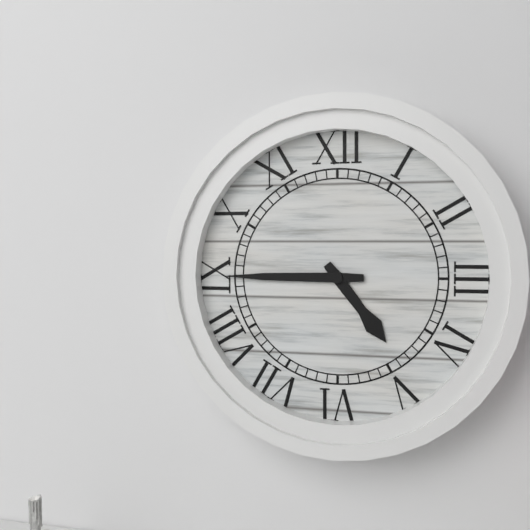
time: 4.45
